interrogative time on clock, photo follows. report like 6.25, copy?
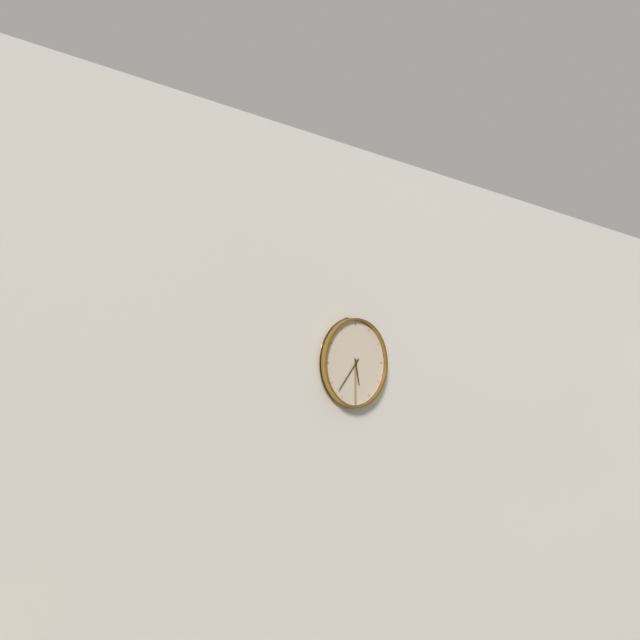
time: 5.37
